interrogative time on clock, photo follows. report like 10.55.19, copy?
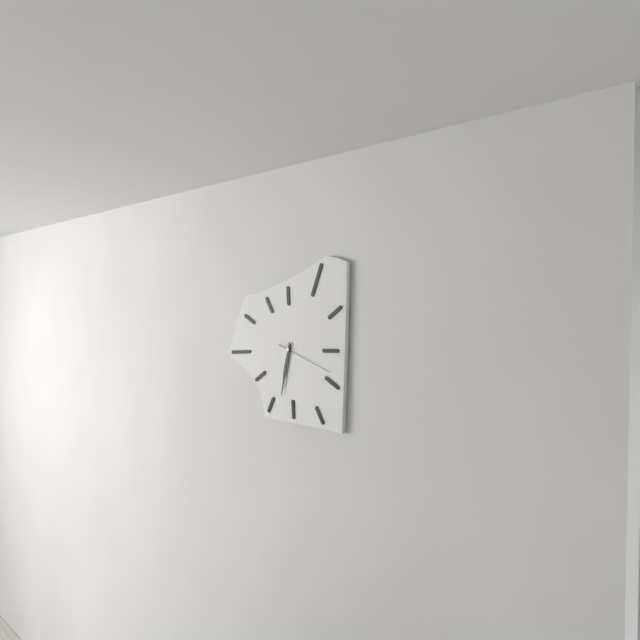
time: 6.32.18
